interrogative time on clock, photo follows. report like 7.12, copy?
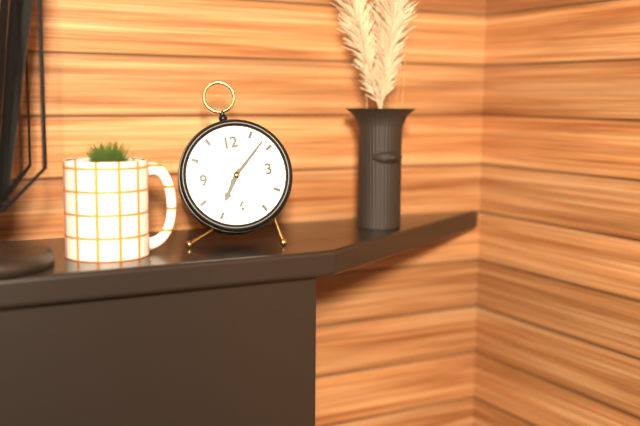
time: 7.08
